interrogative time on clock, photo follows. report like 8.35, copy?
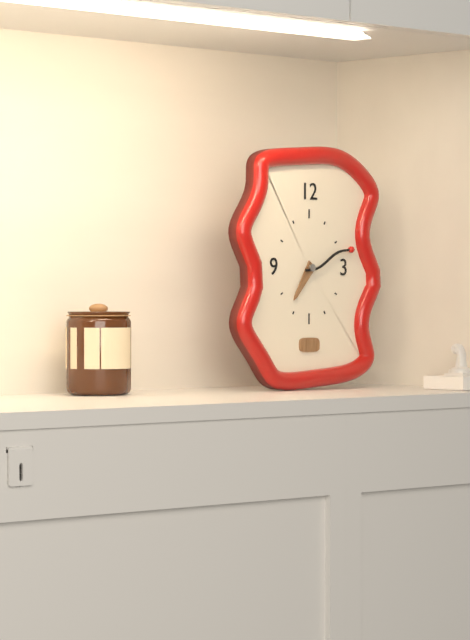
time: 7.12
